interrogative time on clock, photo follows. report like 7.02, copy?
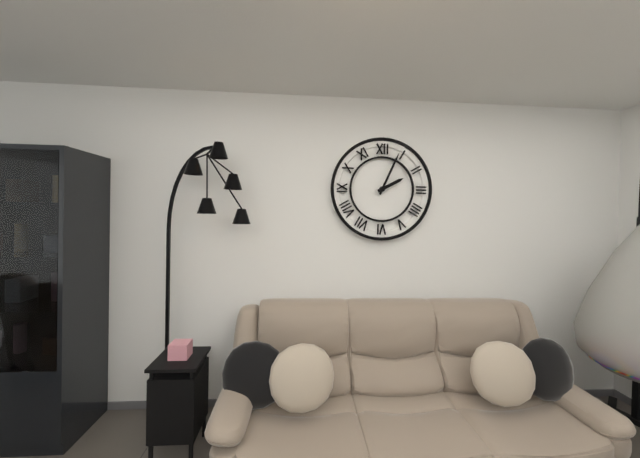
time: 2.04
